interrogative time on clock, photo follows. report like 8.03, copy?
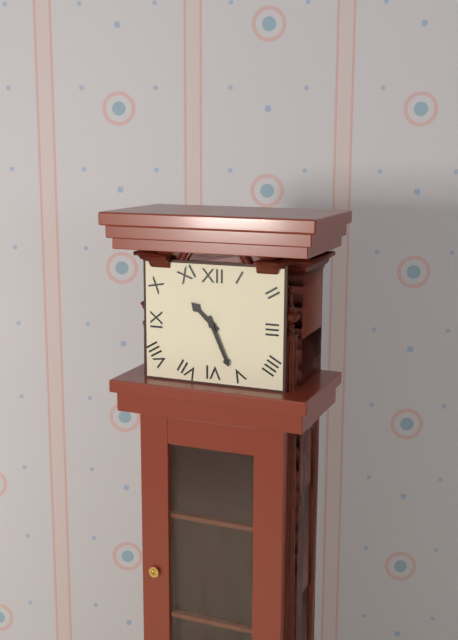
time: 10.26
